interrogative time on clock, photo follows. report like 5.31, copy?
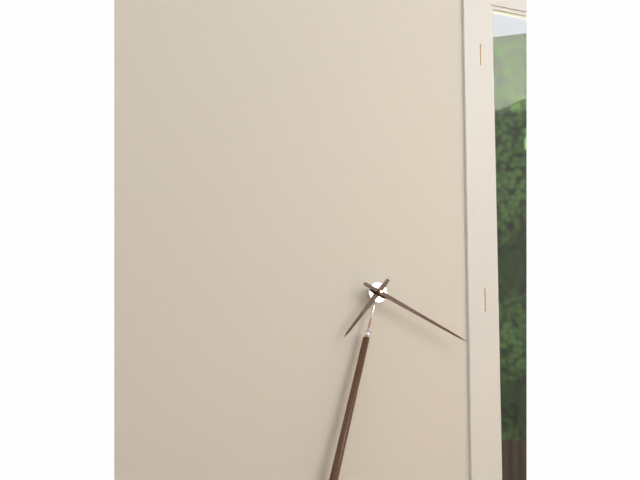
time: 7.19
